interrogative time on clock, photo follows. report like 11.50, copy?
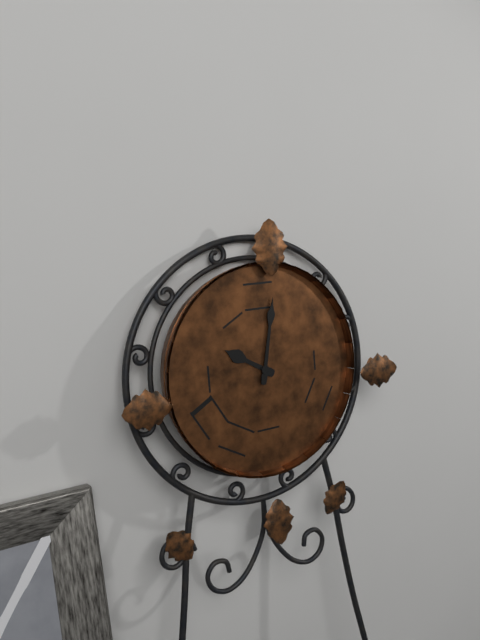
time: 10.02
